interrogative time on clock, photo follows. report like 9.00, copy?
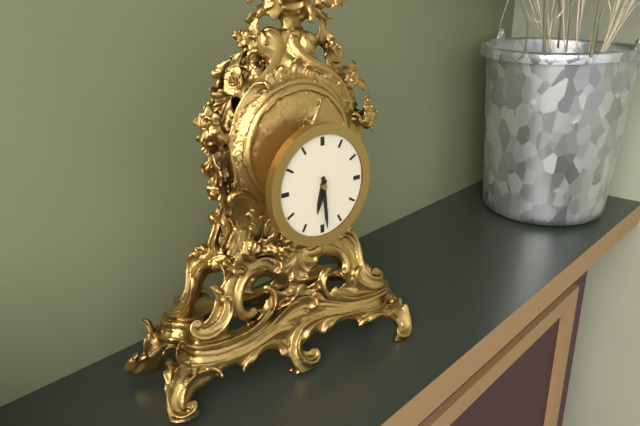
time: 6.29
